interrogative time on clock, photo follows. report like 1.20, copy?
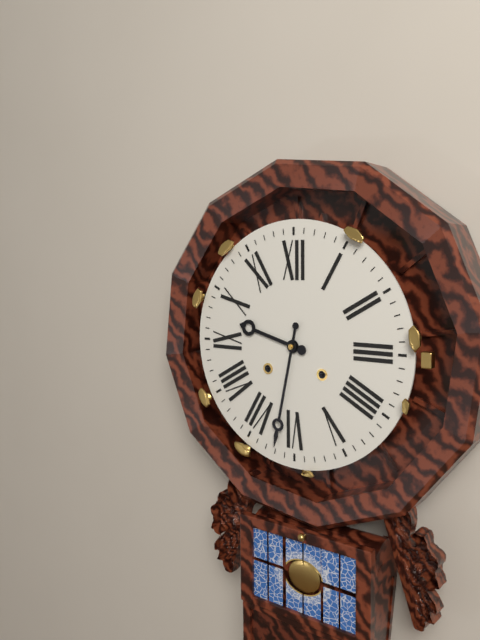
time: 9.32
